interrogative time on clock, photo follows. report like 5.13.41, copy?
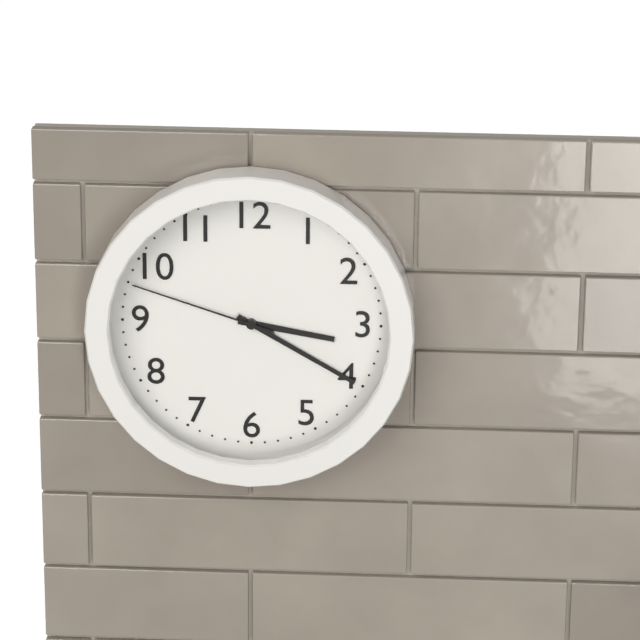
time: 3.20.48
